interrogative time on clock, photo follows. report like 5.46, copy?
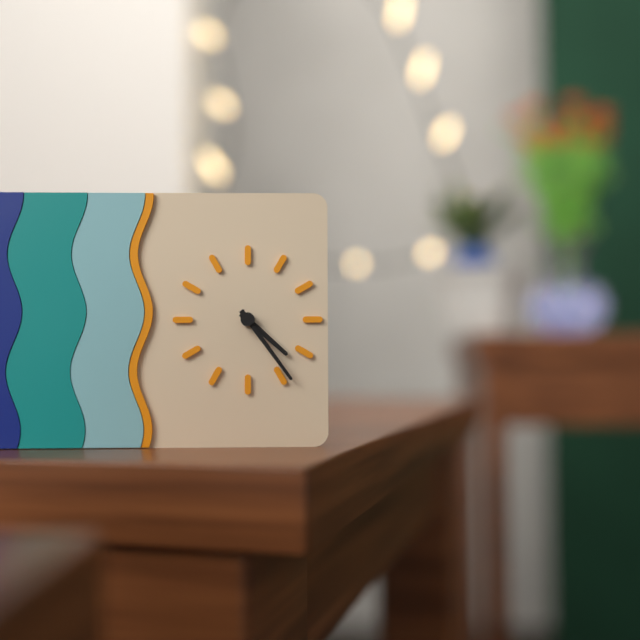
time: 4.24
